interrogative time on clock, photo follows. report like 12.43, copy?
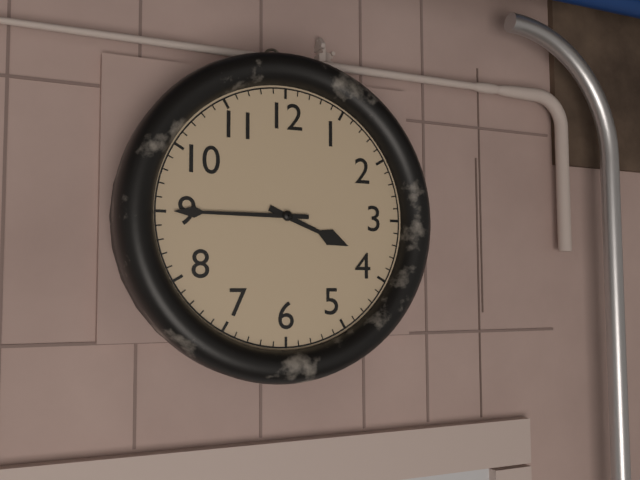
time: 3.45
